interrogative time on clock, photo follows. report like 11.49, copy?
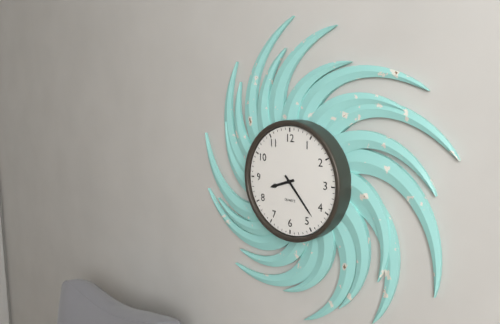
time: 8.23
